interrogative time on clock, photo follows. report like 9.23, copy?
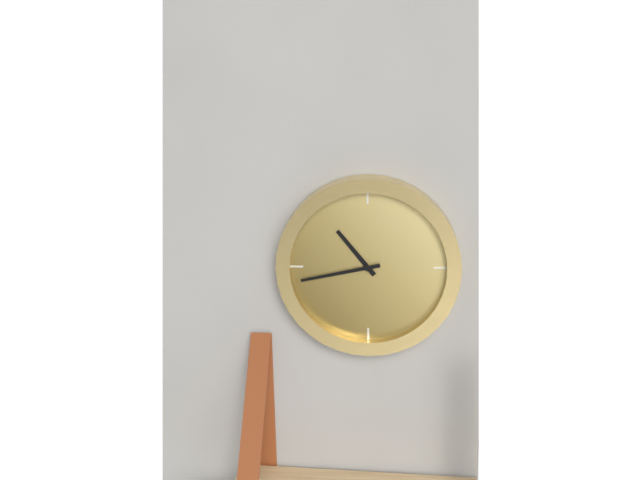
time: 10.43
